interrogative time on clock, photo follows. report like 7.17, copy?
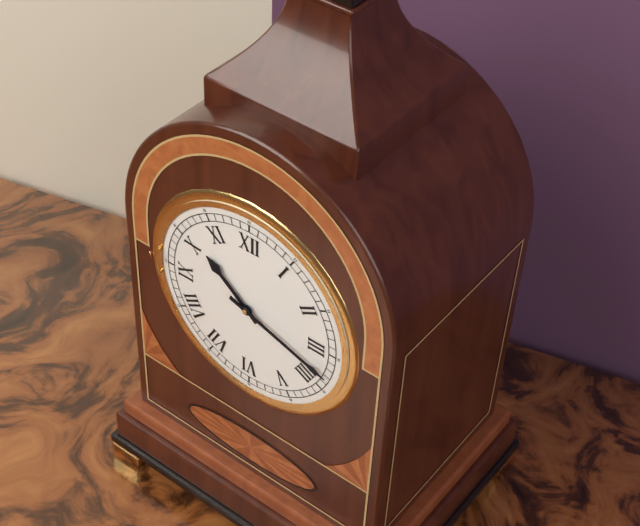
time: 10.18
